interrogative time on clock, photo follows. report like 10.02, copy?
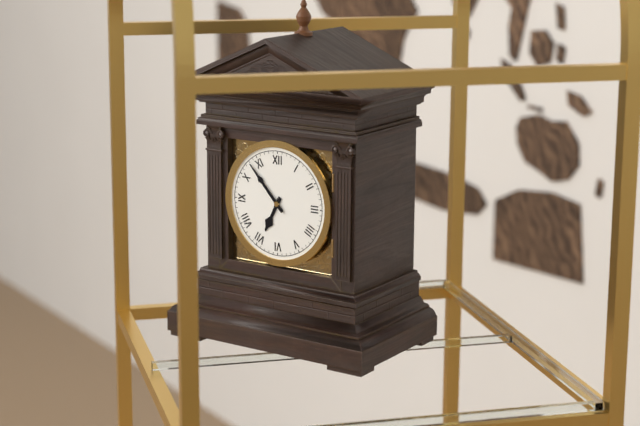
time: 6.53
